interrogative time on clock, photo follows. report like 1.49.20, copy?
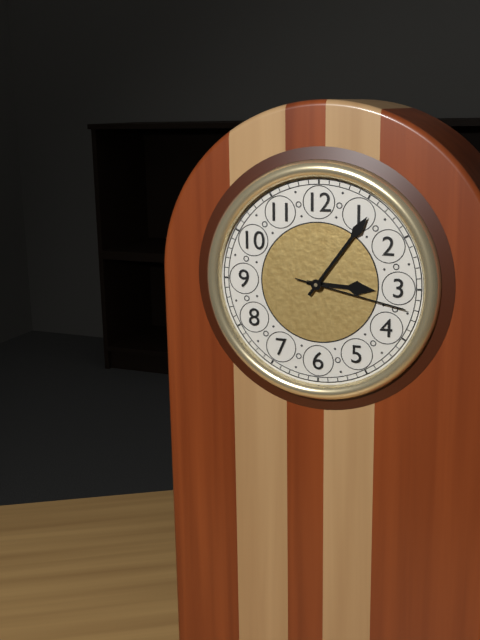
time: 3.06.17
